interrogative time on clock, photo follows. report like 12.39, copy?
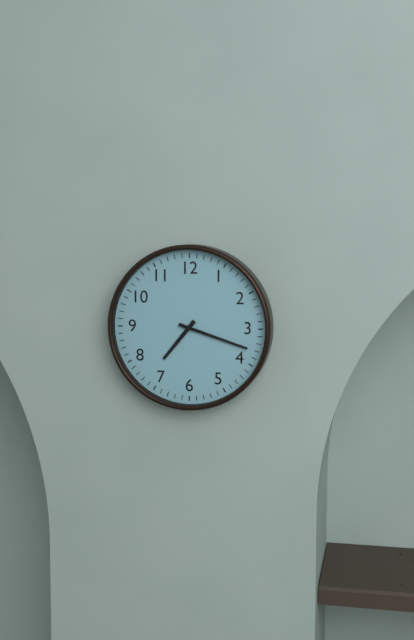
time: 7.18
